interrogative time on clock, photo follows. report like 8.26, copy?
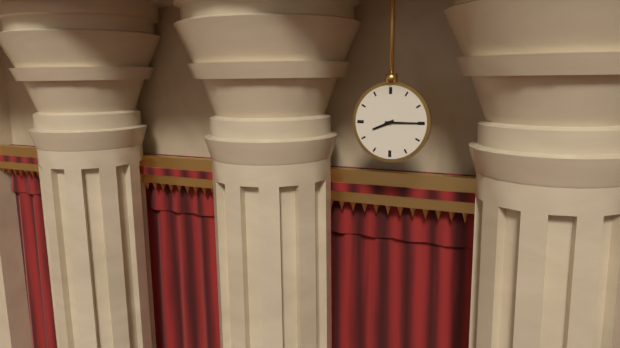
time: 8.15
